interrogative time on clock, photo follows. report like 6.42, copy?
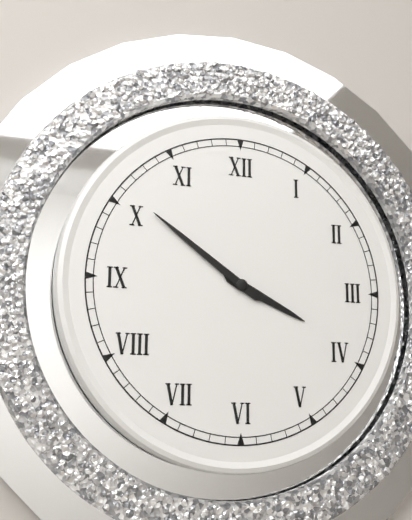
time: 3.51
